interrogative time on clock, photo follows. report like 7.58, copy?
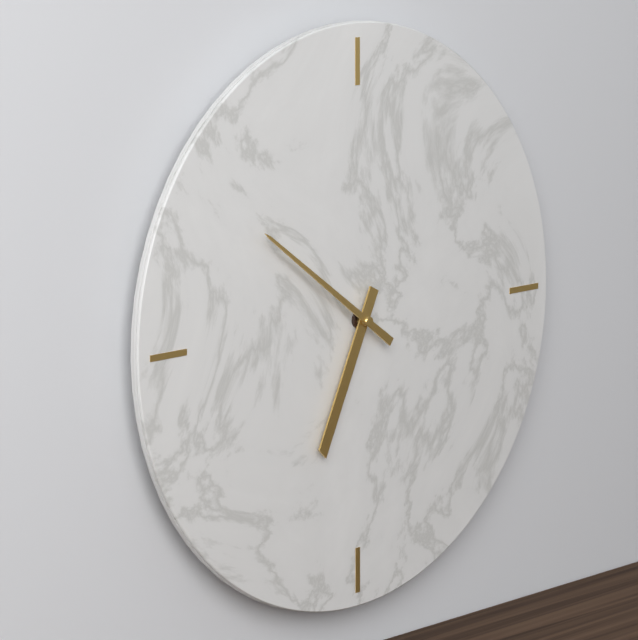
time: 6.51
